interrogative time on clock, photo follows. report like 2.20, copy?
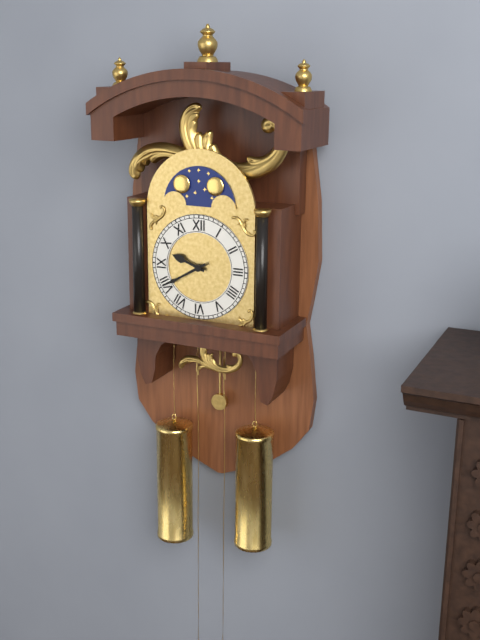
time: 9.40
